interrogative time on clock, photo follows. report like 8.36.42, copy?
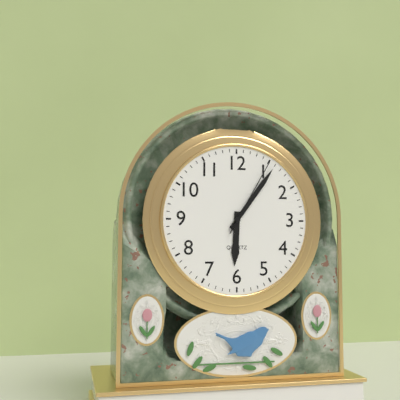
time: 6.06.05
